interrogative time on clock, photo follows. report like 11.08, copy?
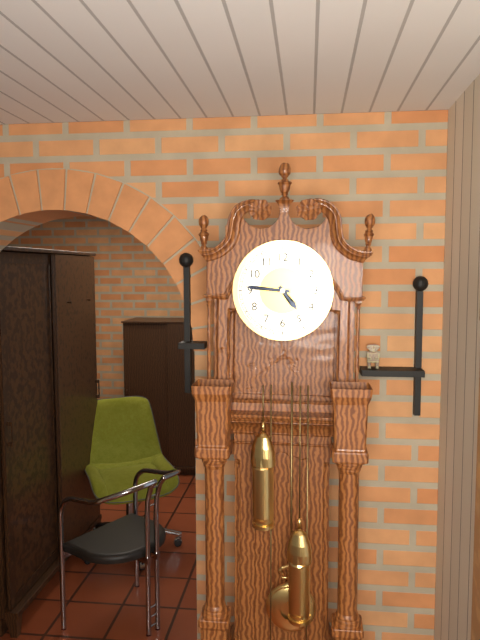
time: 4.46
